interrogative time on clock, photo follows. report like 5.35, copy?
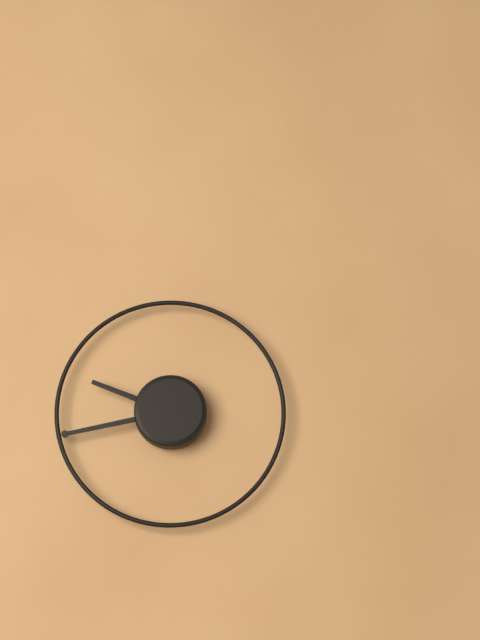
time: 9.43
